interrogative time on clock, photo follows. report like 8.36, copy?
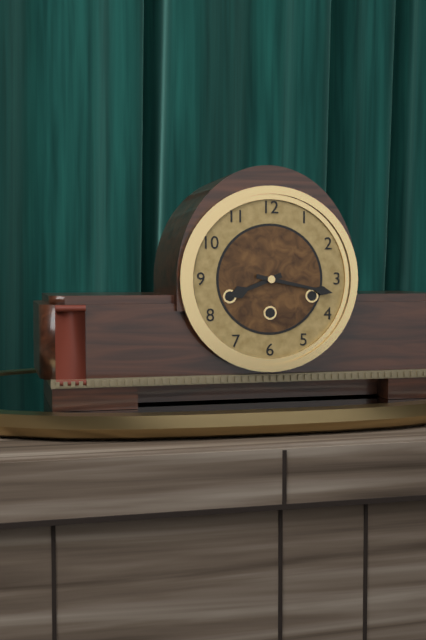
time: 8.17
